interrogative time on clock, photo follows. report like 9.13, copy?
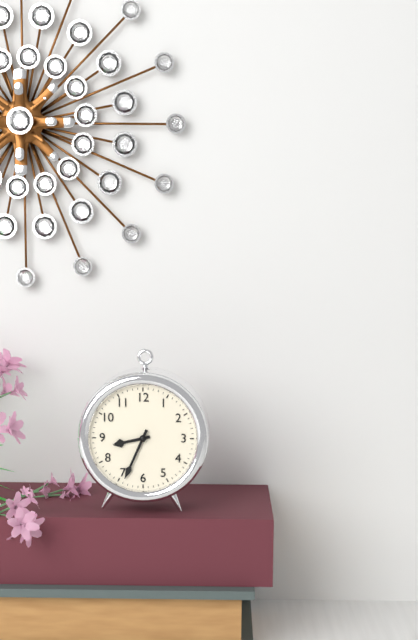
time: 8.34
